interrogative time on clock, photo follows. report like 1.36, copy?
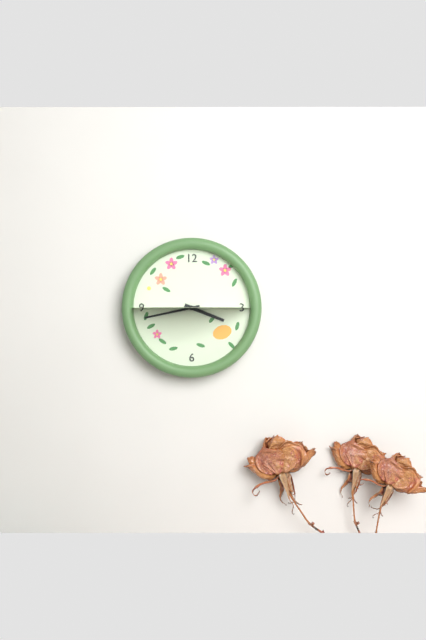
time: 3.43
